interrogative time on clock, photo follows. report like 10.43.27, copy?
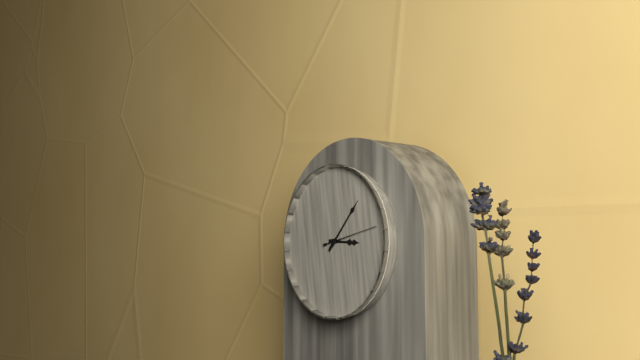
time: 3.07.13
